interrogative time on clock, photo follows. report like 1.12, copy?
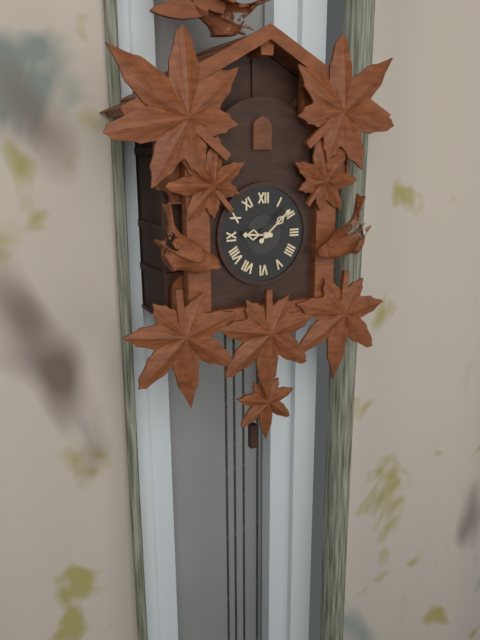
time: 9.08
